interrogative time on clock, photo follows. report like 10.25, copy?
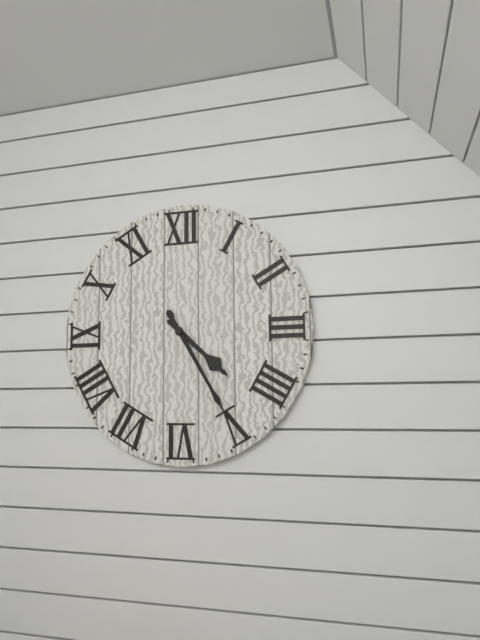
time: 4.25
